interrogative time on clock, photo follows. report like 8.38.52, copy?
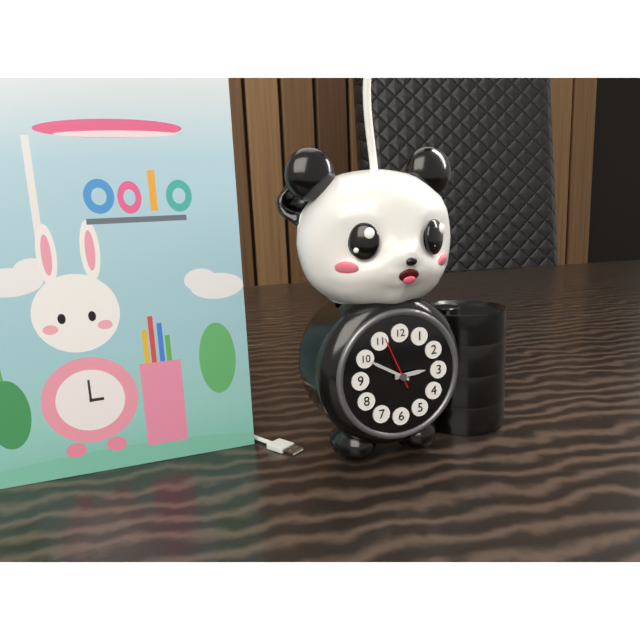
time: 2.50.56
